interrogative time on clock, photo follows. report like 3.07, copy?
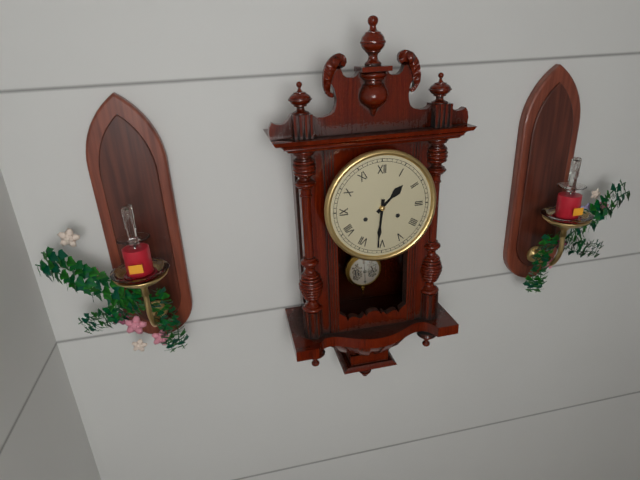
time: 1.31
